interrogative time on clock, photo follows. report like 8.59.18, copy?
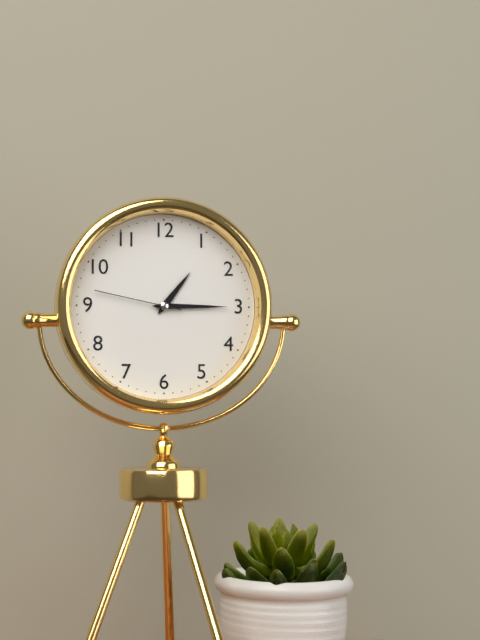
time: 1.15.47
